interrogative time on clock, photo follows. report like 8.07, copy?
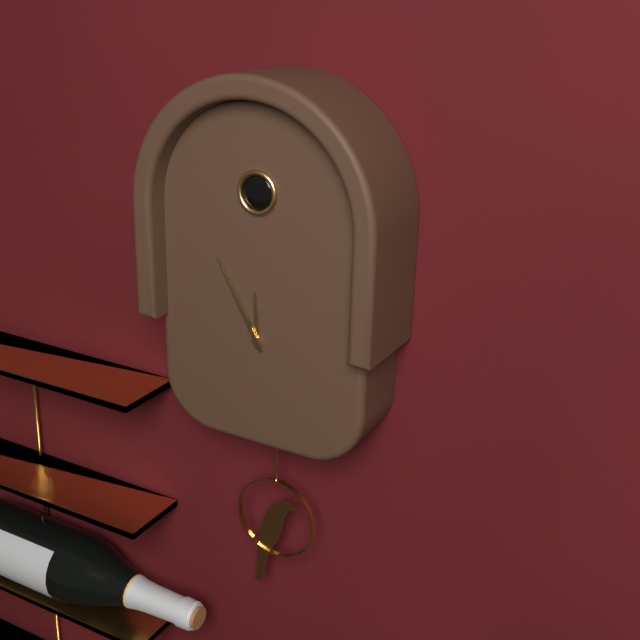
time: 11.55
